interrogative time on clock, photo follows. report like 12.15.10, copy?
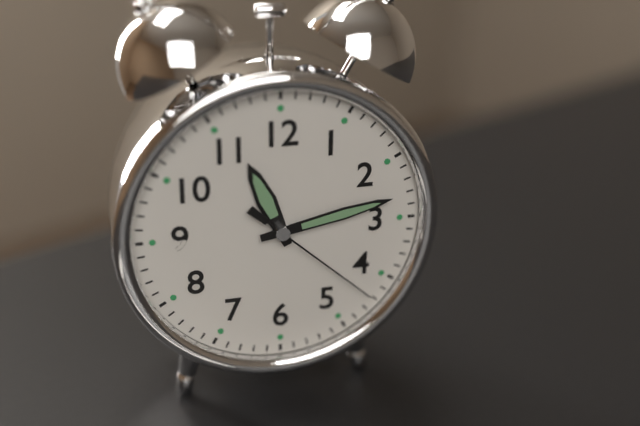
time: 11.13.22
